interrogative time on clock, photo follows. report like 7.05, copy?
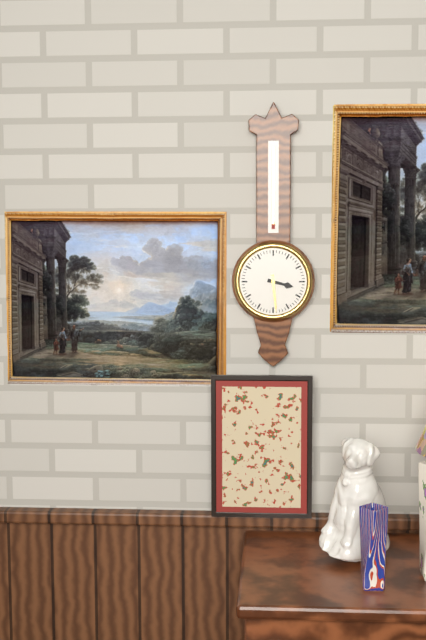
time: 3.29
